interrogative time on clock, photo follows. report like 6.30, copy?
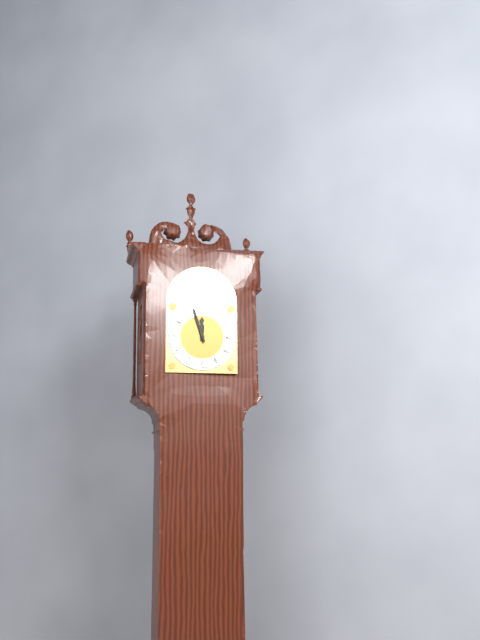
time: 11.57
